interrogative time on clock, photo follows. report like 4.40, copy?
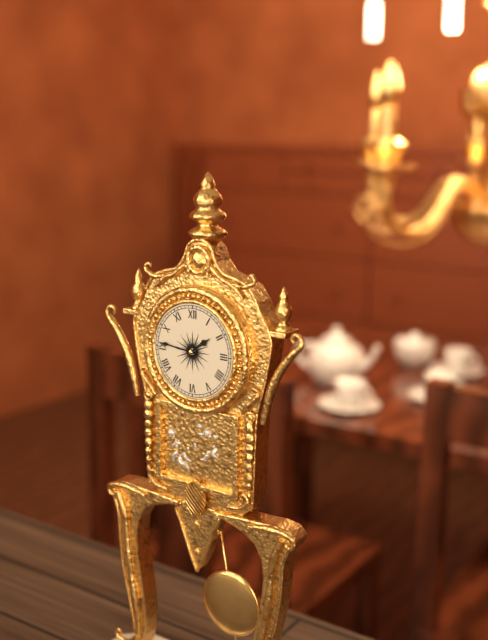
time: 1.46
